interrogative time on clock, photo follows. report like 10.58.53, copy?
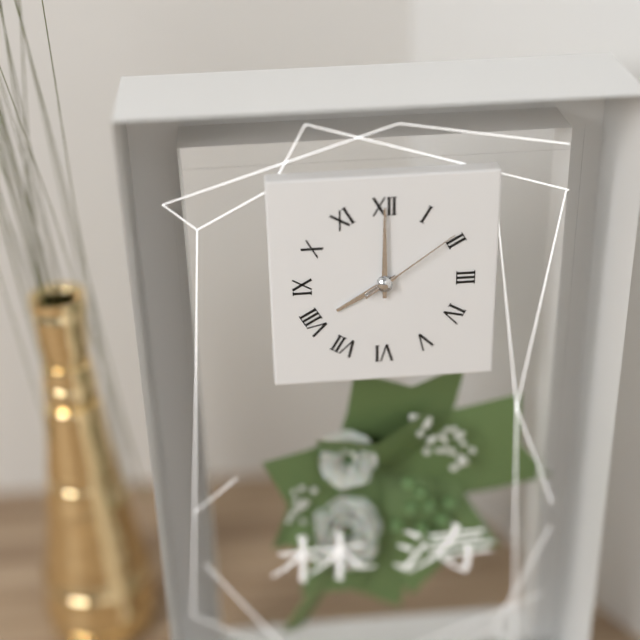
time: 8.00.09
